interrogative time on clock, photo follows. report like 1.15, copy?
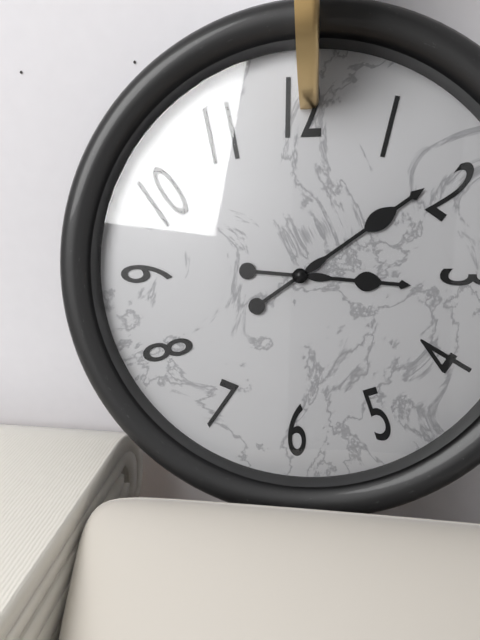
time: 3.09
